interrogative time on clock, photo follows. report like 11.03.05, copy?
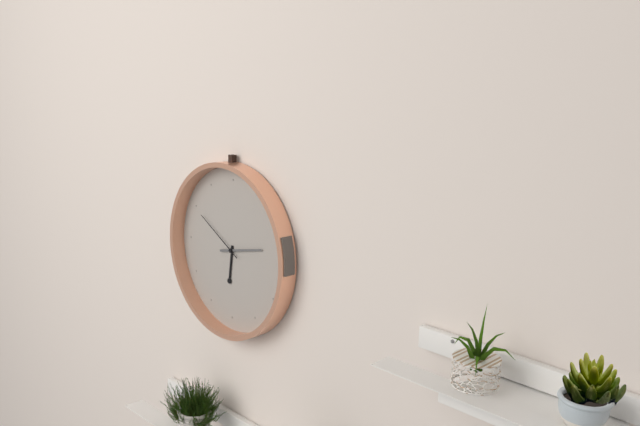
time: 6.13.50
